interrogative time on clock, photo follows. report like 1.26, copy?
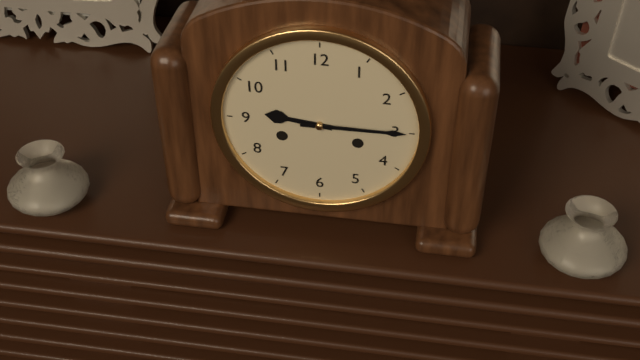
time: 9.15
